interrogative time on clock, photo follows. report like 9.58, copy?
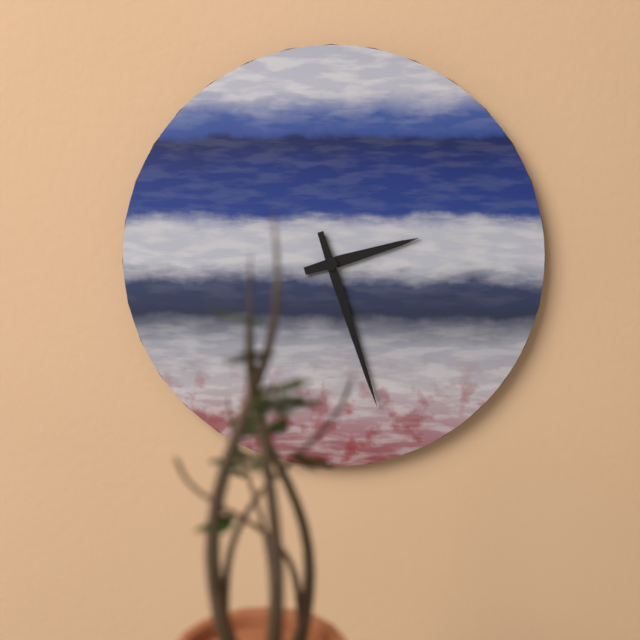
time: 2.27
